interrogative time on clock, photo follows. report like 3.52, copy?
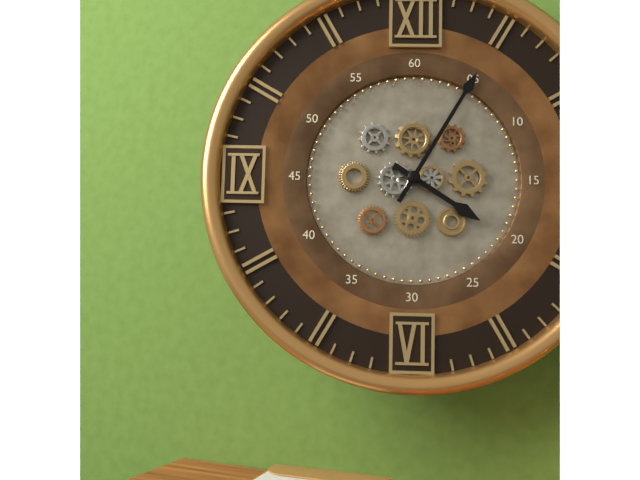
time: 4.05
